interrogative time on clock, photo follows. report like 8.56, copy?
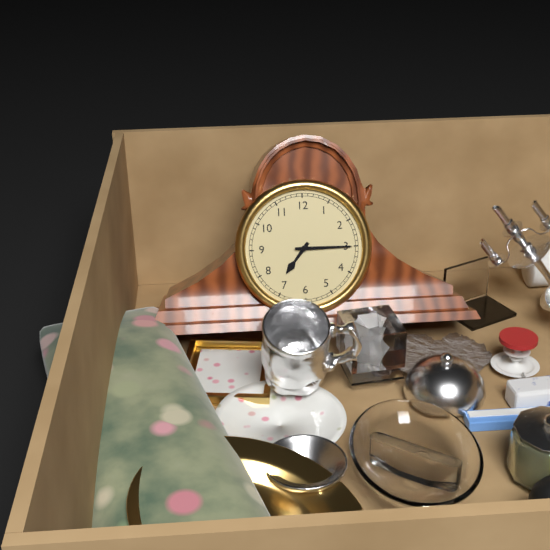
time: 7.15
